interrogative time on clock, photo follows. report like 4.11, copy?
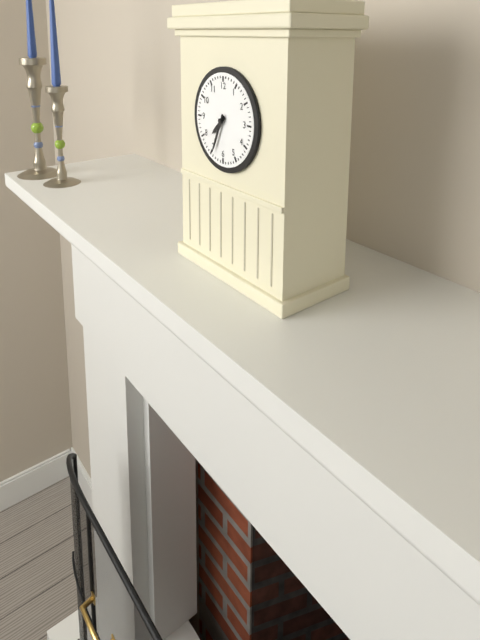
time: 7.34
